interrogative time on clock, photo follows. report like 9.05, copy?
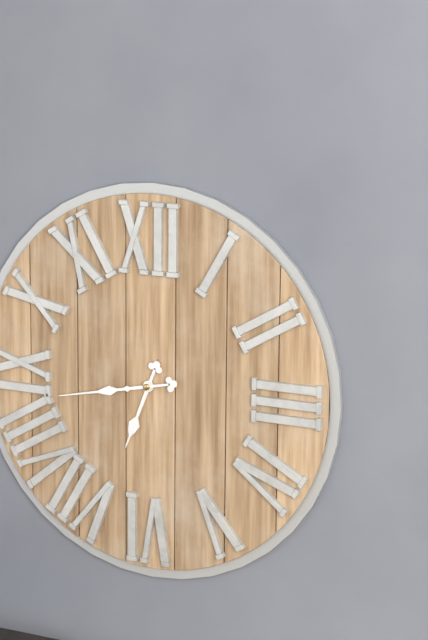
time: 6.43
